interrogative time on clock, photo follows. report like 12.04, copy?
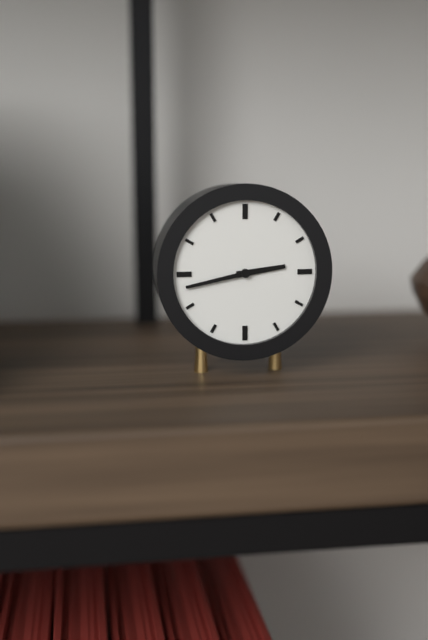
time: 2.43
